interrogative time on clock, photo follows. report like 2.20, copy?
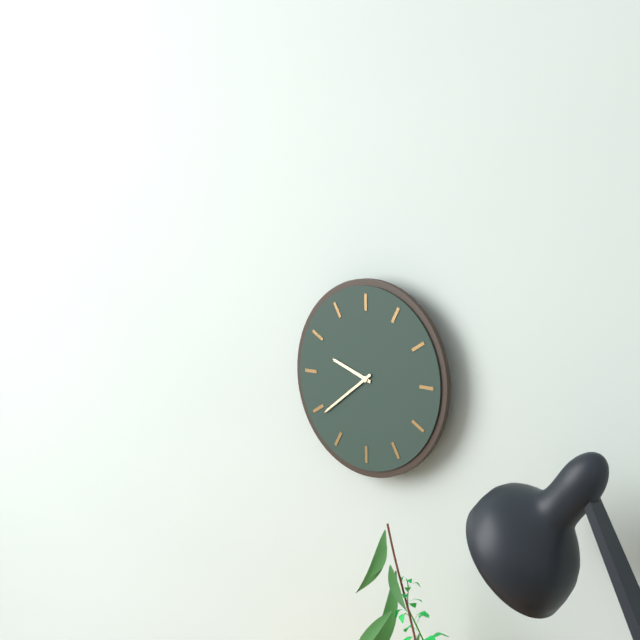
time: 9.39
